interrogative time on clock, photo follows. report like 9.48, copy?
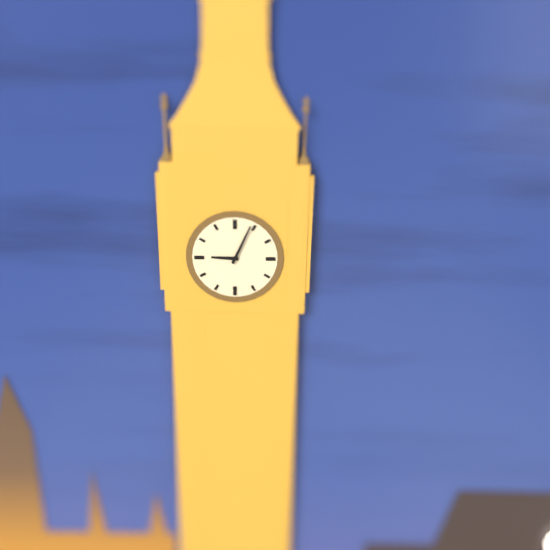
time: 9.04
